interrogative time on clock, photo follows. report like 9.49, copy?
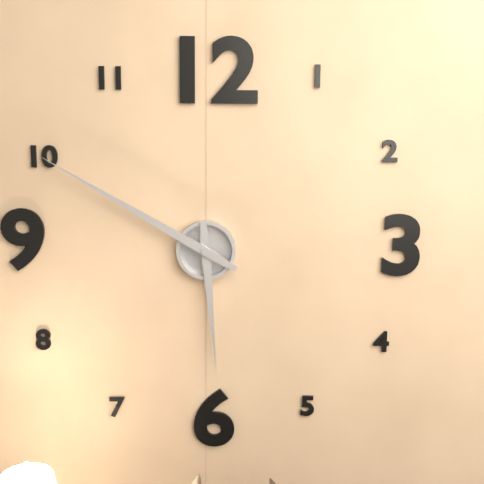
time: 5.50
